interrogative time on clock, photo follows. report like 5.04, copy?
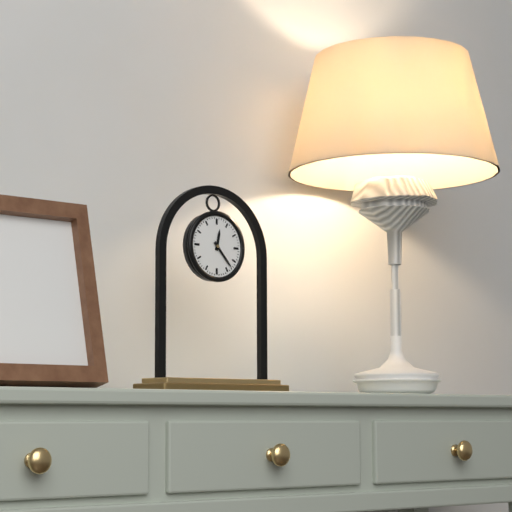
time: 12.23
